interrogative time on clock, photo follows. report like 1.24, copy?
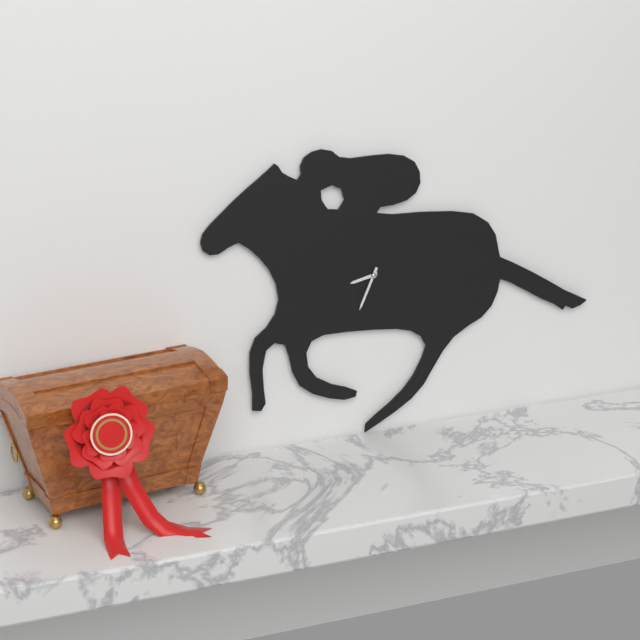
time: 8.34
